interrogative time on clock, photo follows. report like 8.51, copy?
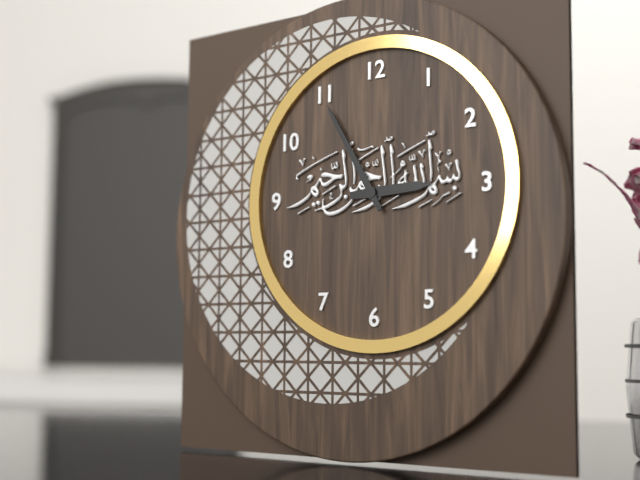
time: 2.55
